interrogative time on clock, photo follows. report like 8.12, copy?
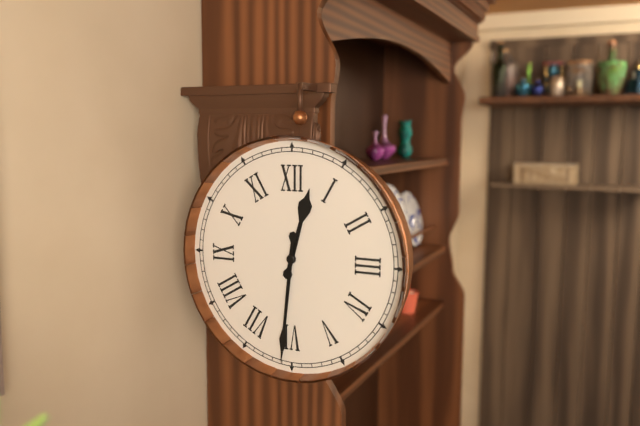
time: 12.31
